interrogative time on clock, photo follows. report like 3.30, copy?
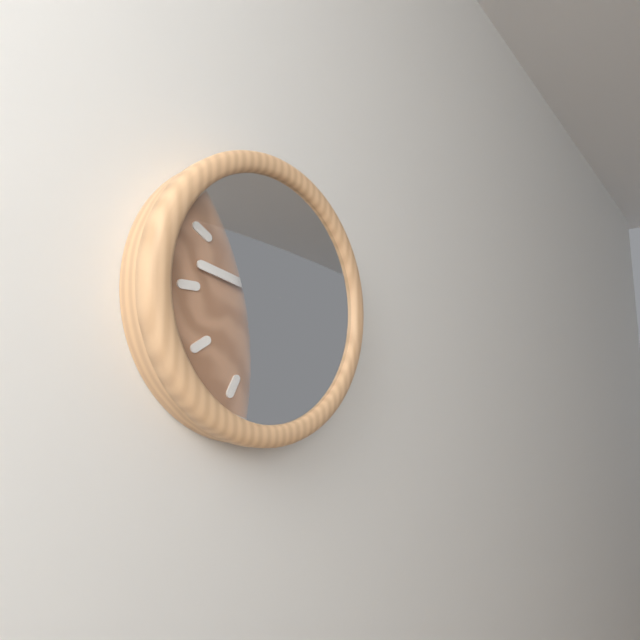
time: 11.47
